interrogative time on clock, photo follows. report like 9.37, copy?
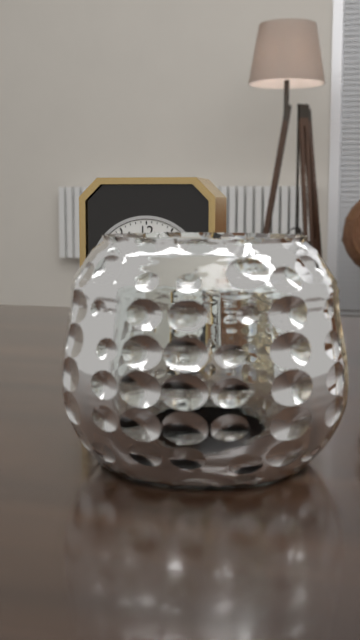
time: 11.30
